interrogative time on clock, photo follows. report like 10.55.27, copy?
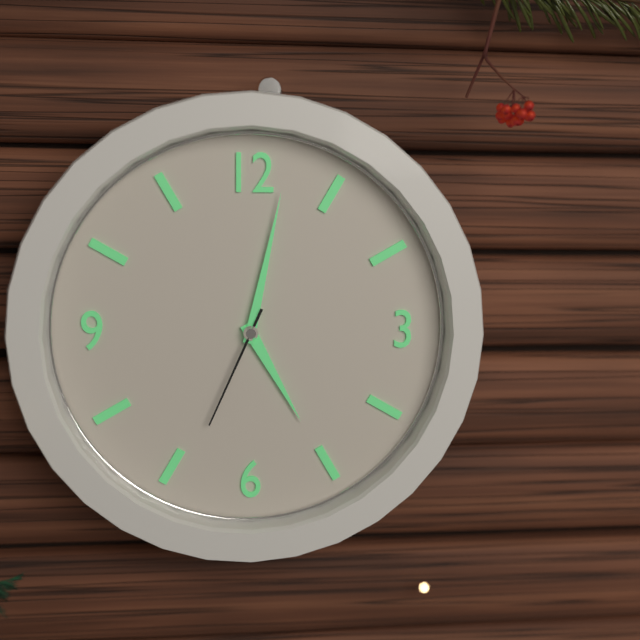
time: 5.02.34
